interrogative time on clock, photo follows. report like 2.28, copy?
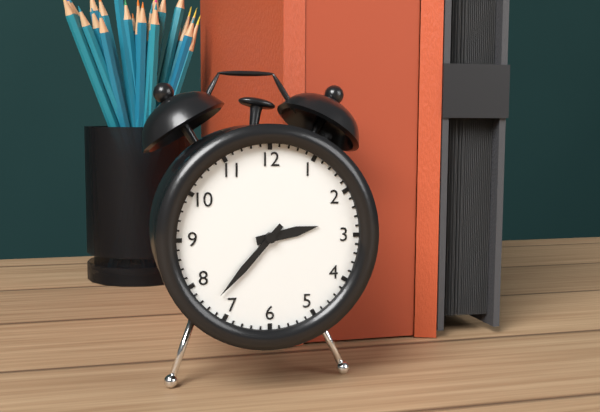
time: 2.37
